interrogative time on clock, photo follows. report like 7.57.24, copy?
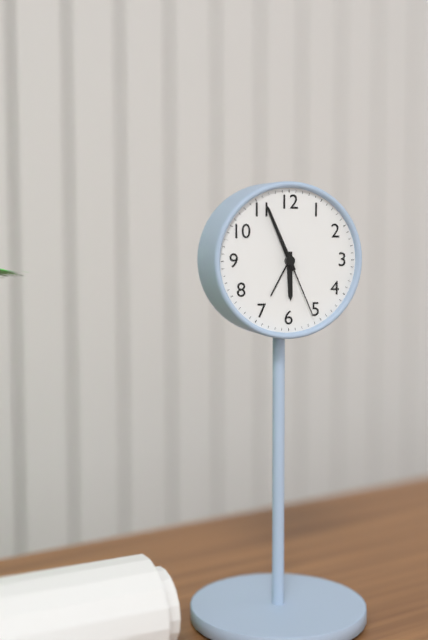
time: 5.56.26
